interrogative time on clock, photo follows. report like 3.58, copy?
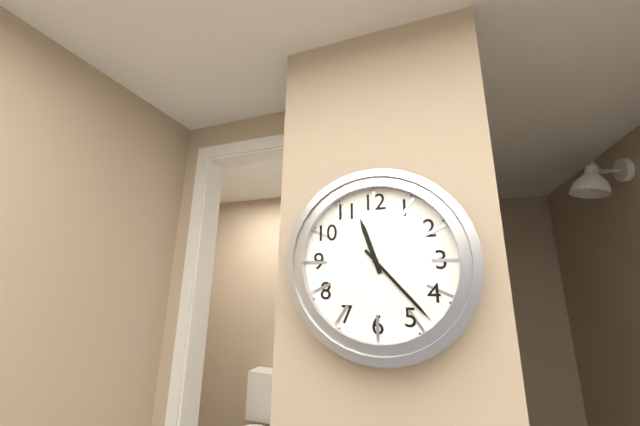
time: 11.23
